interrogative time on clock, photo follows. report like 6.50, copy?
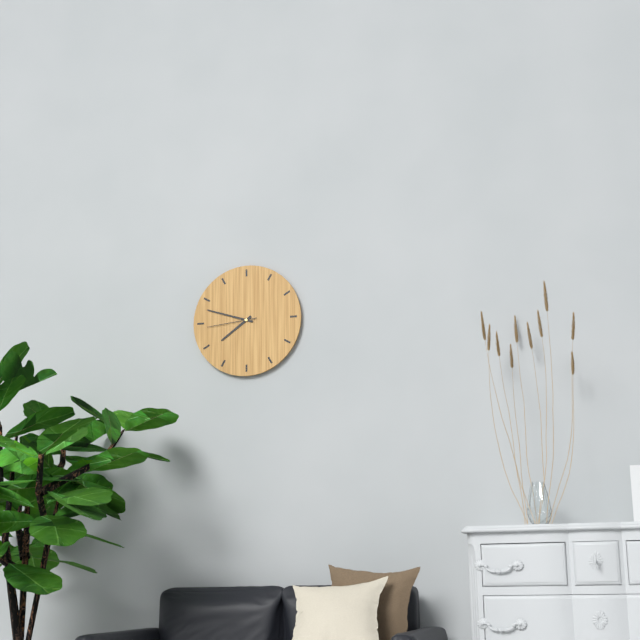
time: 7.48
